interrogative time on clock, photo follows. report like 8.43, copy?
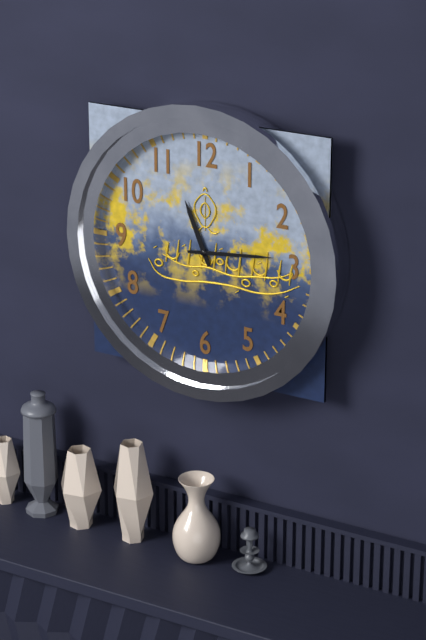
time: 11.14
